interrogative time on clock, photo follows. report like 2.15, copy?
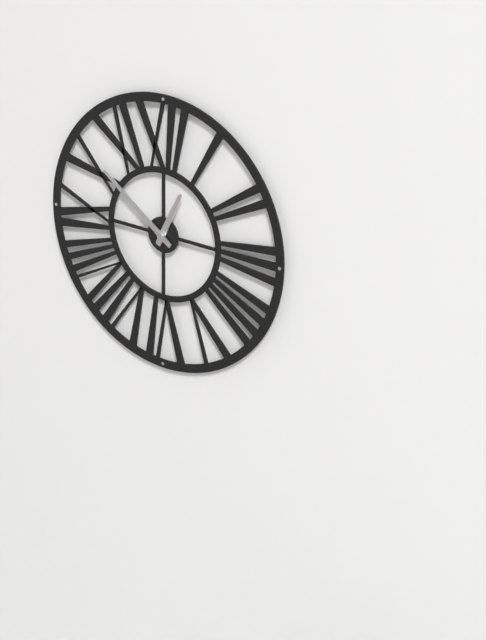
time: 12.51
